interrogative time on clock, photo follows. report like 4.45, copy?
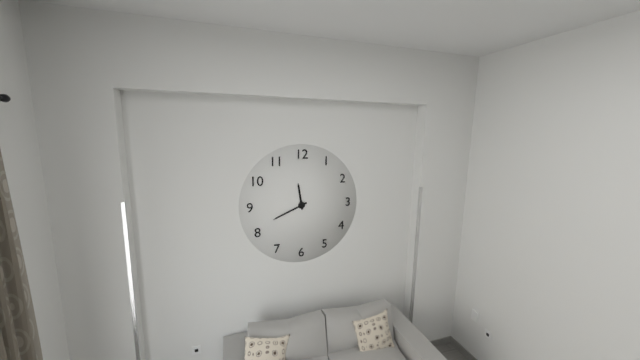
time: 11.41
